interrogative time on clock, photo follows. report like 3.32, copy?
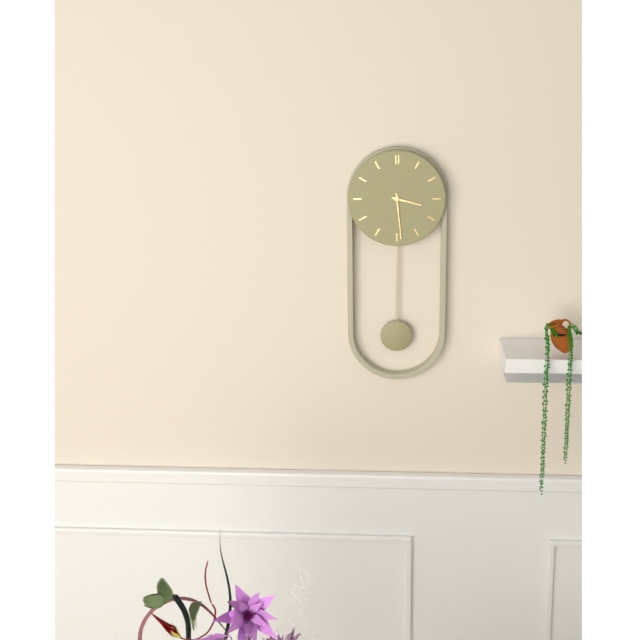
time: 3.29
